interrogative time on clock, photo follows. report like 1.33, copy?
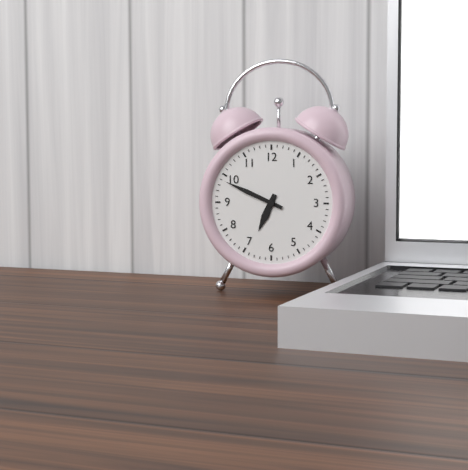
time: 6.49
